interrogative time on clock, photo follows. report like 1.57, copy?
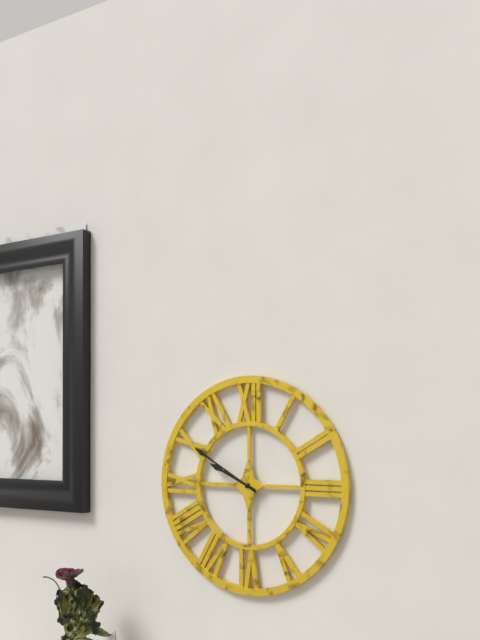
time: 9.50
